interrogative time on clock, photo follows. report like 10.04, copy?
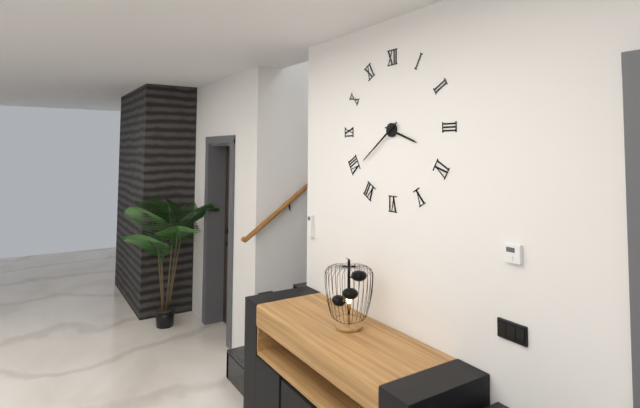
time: 3.39
